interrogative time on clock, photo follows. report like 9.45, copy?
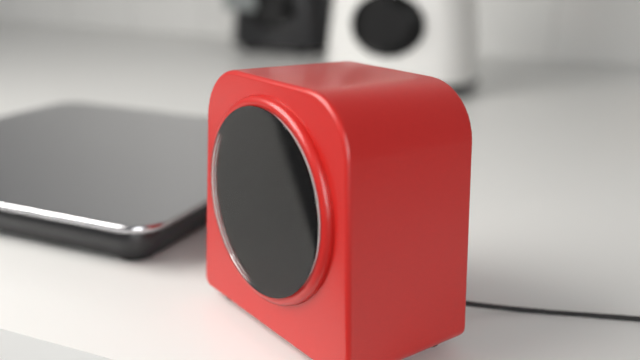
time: 8.26
